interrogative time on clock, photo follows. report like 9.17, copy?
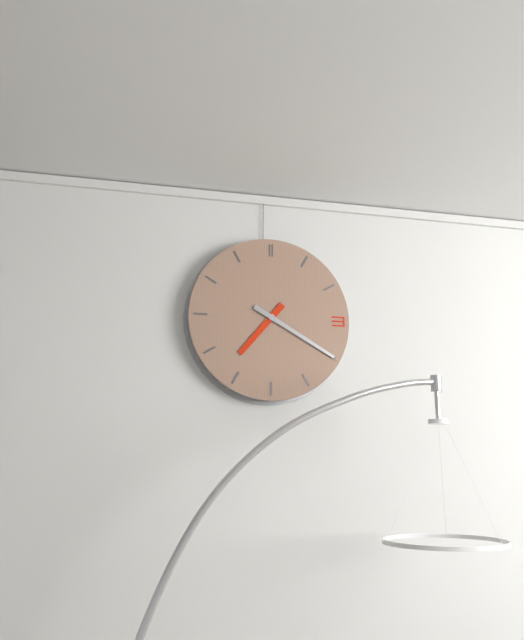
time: 7.20
